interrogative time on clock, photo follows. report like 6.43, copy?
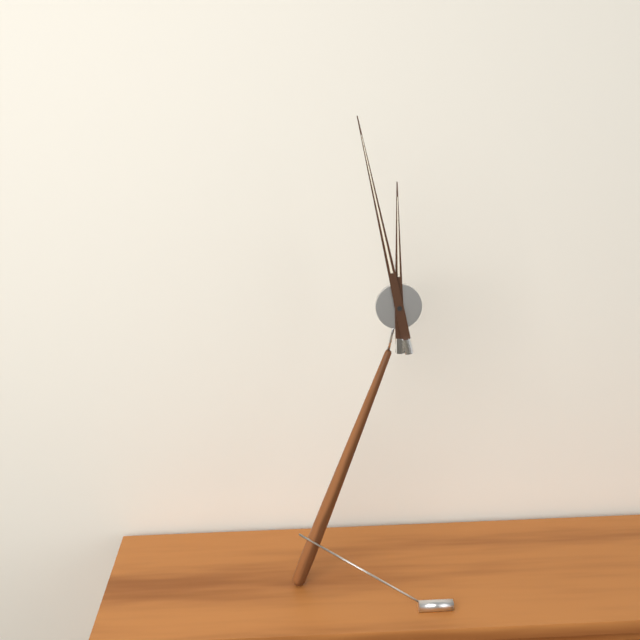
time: 11.58
